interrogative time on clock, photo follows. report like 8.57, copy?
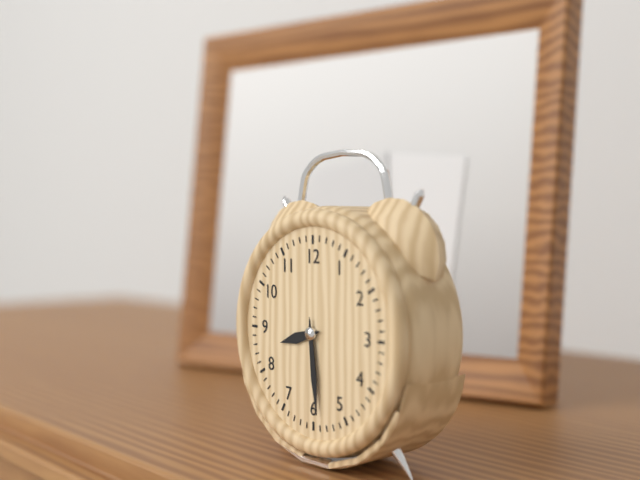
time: 8.29
